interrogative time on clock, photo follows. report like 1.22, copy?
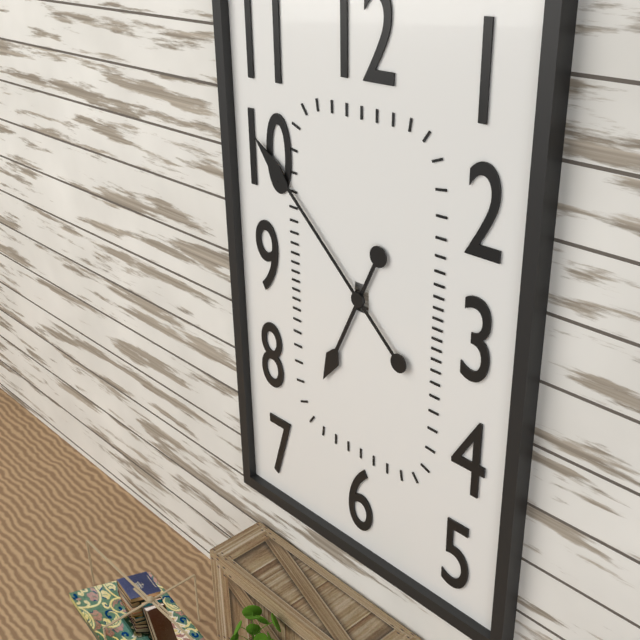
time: 6.52
